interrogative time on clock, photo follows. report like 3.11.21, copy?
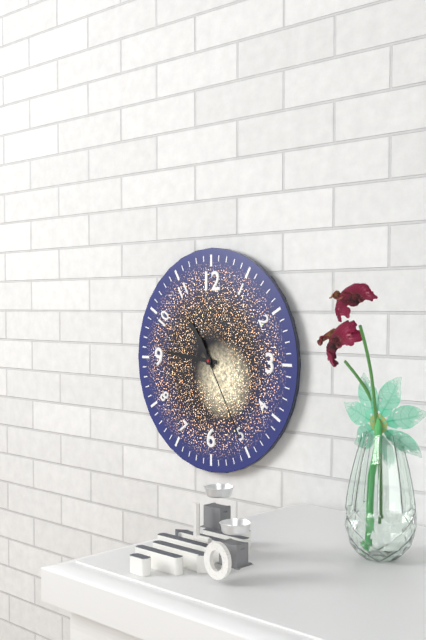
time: 10.46.25
